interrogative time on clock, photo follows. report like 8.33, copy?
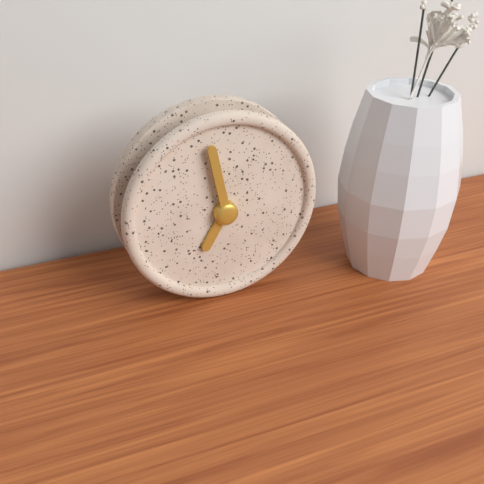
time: 6.58
